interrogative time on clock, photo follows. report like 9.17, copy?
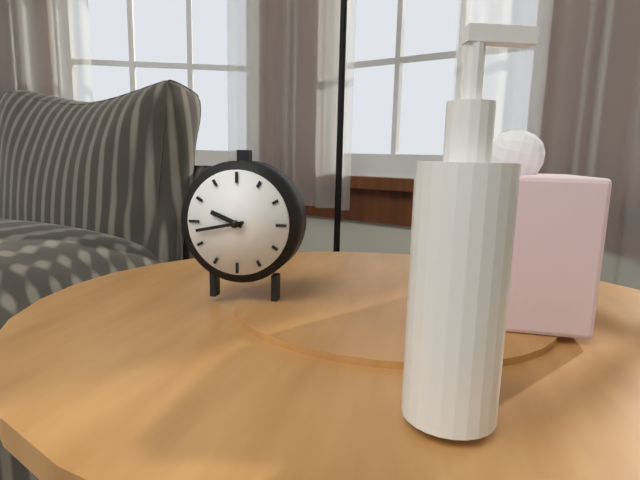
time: 9.43
